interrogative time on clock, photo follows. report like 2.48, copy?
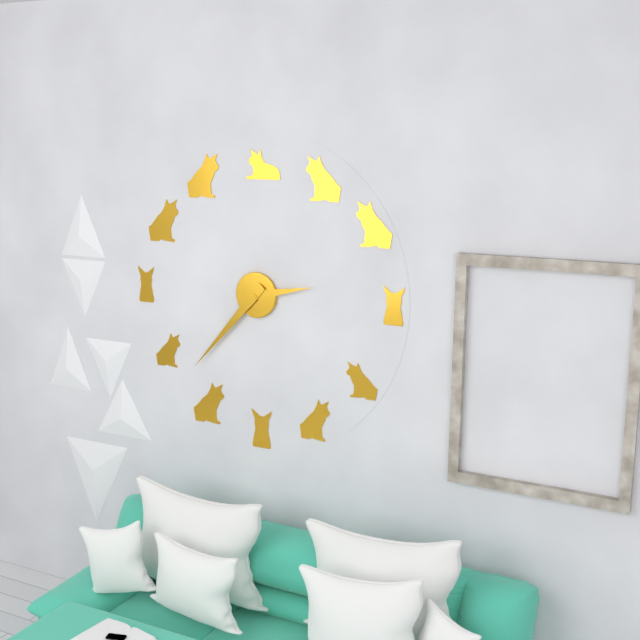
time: 2.37
